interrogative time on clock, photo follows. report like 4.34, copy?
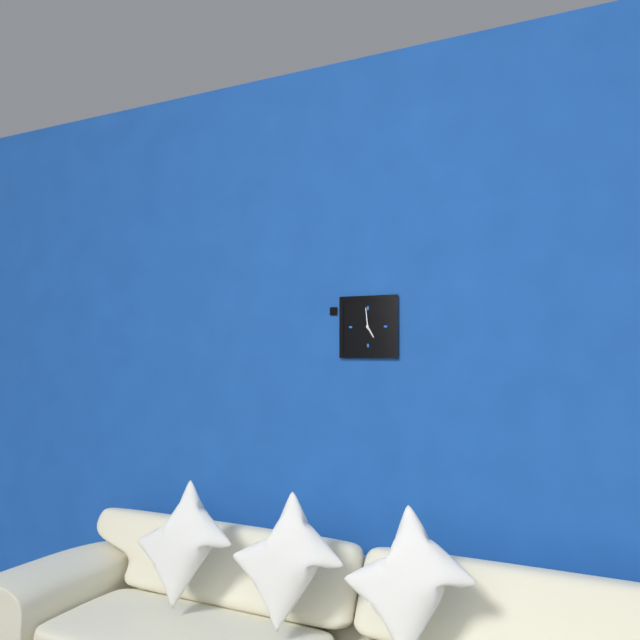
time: 4.59
